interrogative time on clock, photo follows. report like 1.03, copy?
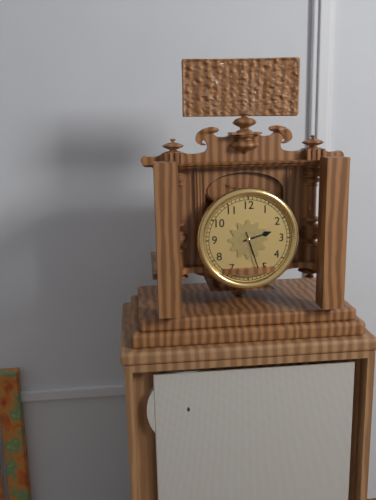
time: 2.27
